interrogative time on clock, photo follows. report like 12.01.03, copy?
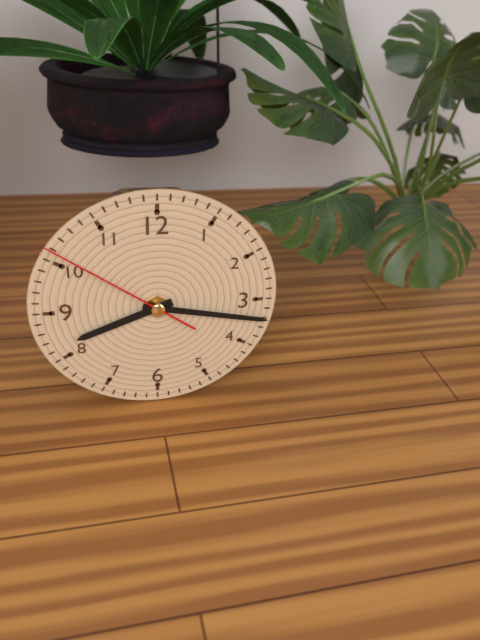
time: 8.17.51
